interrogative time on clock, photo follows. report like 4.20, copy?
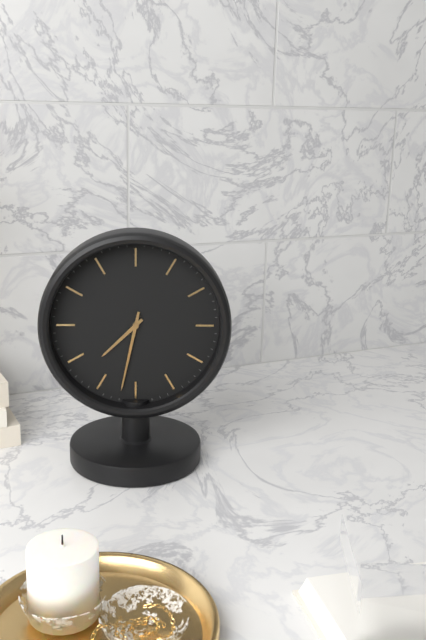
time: 7.32
